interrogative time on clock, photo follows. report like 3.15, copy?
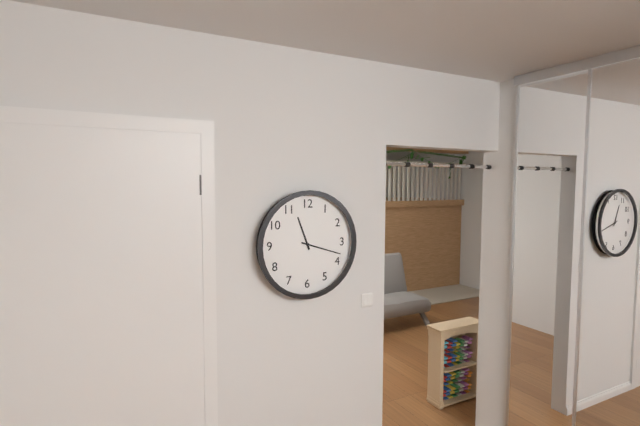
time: 11.18
